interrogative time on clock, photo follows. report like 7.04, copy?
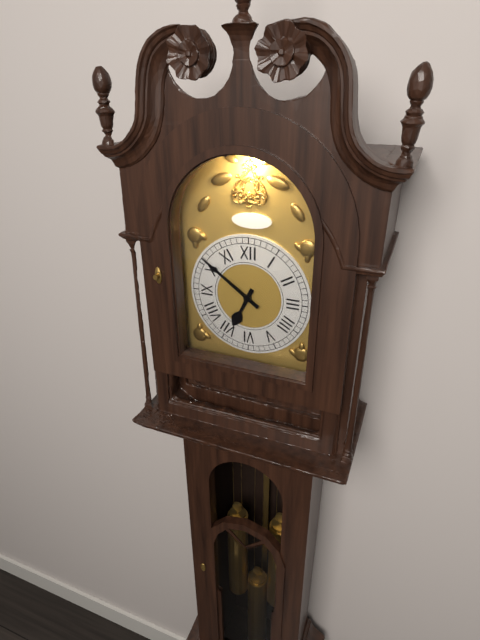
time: 6.51
